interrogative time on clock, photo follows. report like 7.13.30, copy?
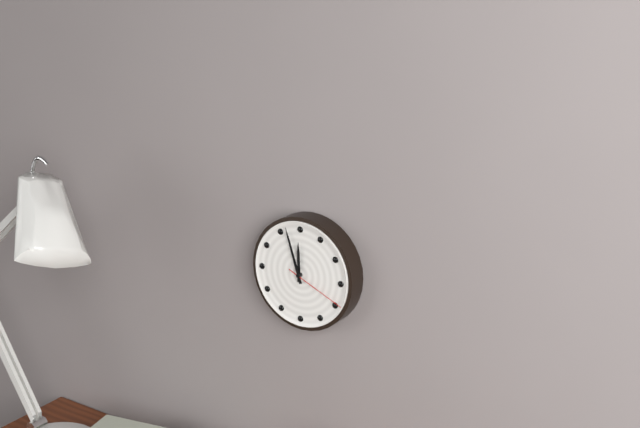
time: 11.57.19
